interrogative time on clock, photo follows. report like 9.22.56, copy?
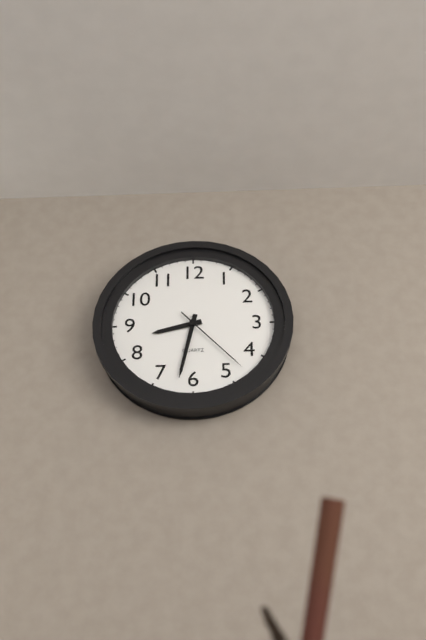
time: 8.32.23
